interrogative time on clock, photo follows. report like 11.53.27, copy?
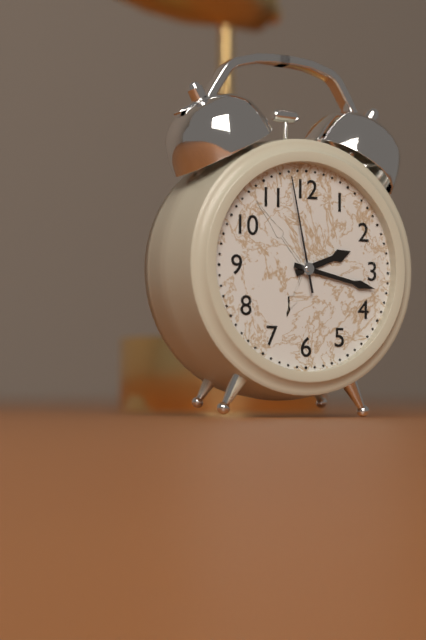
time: 2.17.58
